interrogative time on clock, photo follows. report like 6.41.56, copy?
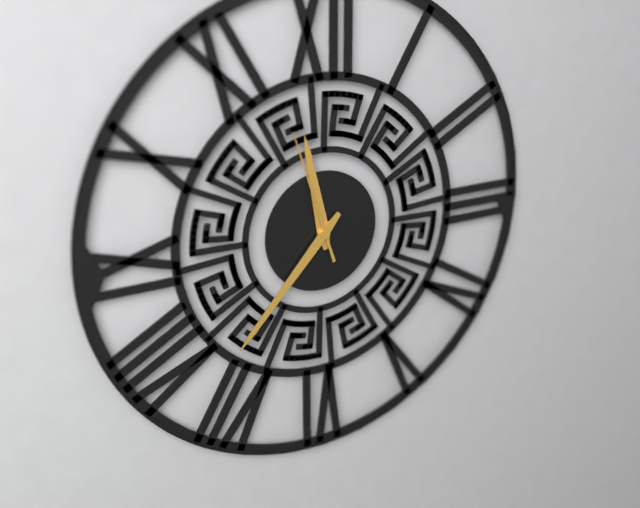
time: 11.37.57
